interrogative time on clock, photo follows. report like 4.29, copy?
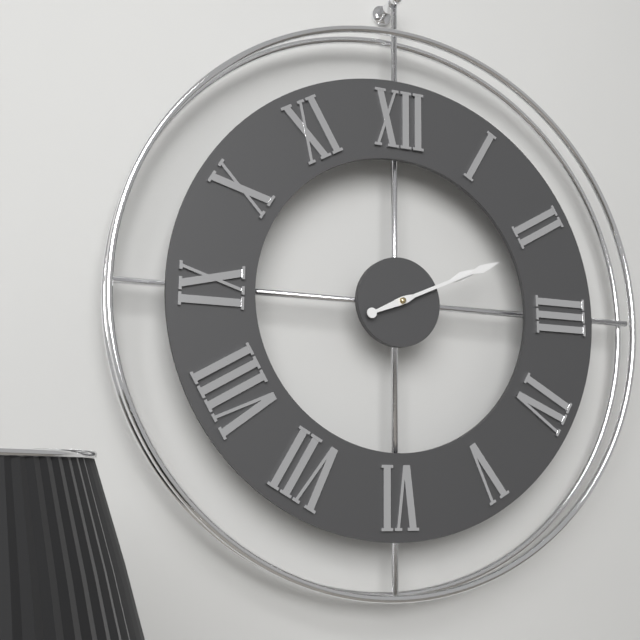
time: 2.11
